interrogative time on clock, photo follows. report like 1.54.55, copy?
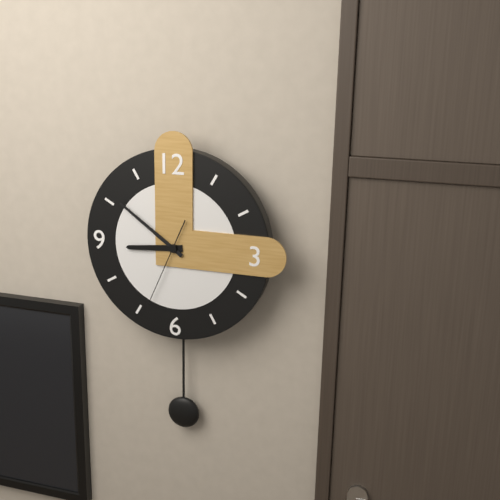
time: 8.51.34
